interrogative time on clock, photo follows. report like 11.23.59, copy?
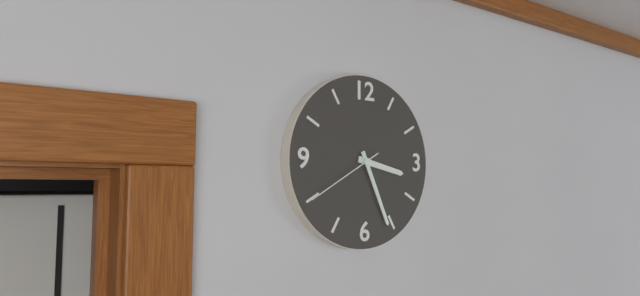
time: 3.26.40
